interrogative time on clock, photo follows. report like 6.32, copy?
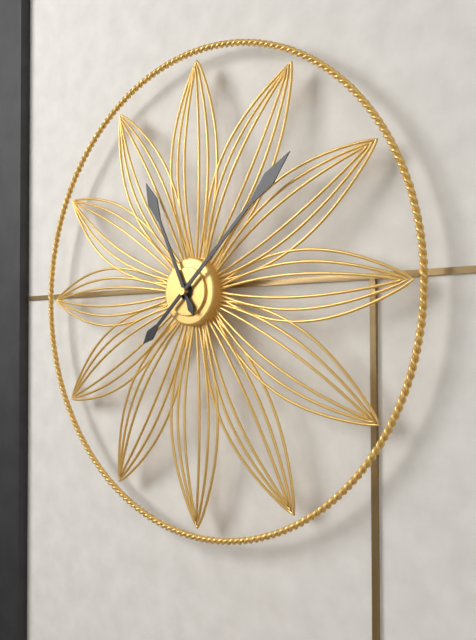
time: 11.08
